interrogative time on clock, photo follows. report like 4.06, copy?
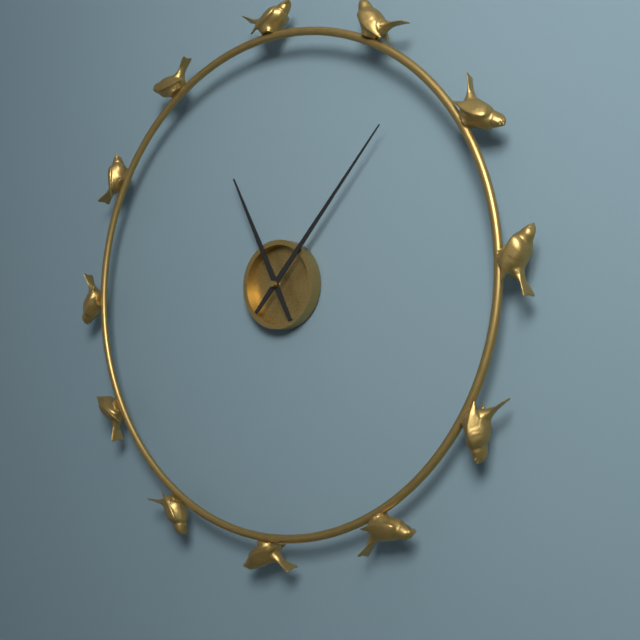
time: 11.07
